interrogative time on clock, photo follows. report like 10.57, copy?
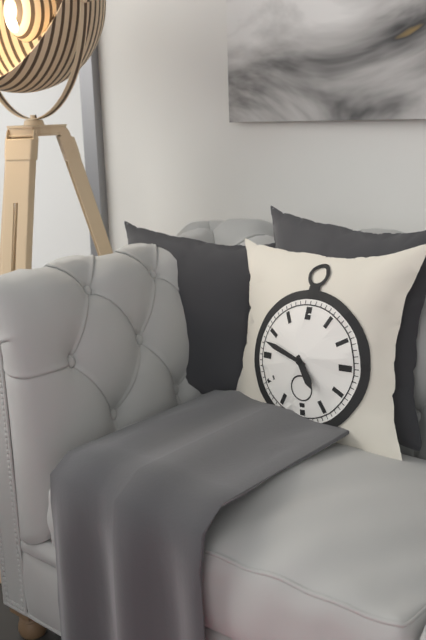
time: 4.48
